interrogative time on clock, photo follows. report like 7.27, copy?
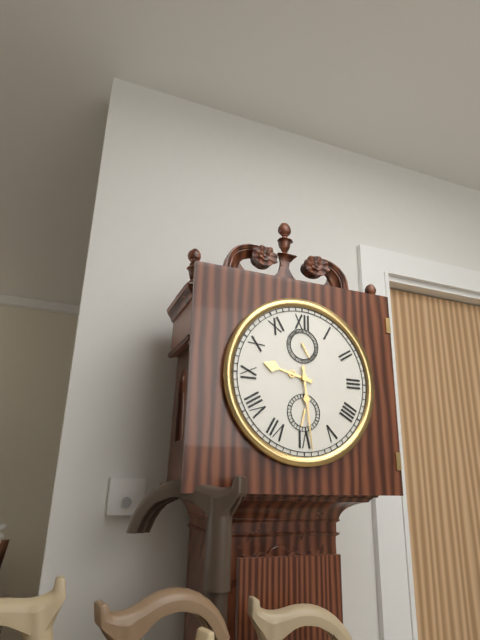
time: 9.29
